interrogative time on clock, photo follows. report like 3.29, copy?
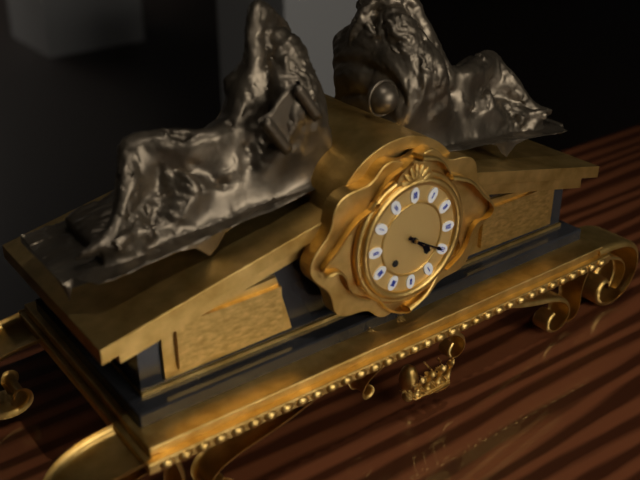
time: 4.20
